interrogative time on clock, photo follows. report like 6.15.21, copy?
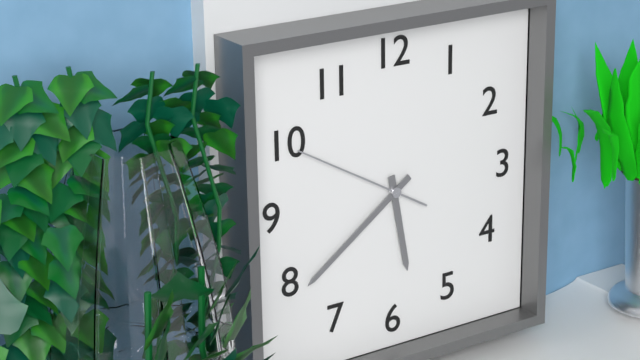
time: 5.39.50
